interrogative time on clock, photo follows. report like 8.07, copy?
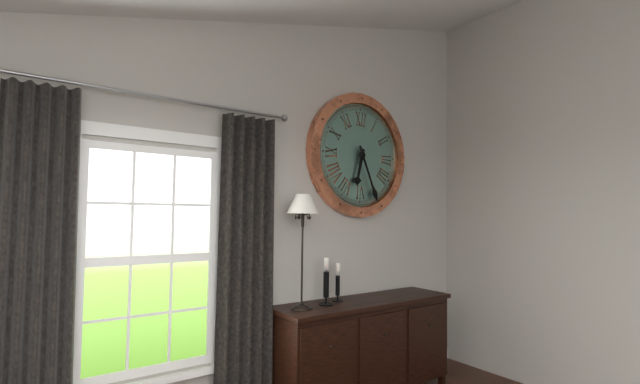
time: 6.26
